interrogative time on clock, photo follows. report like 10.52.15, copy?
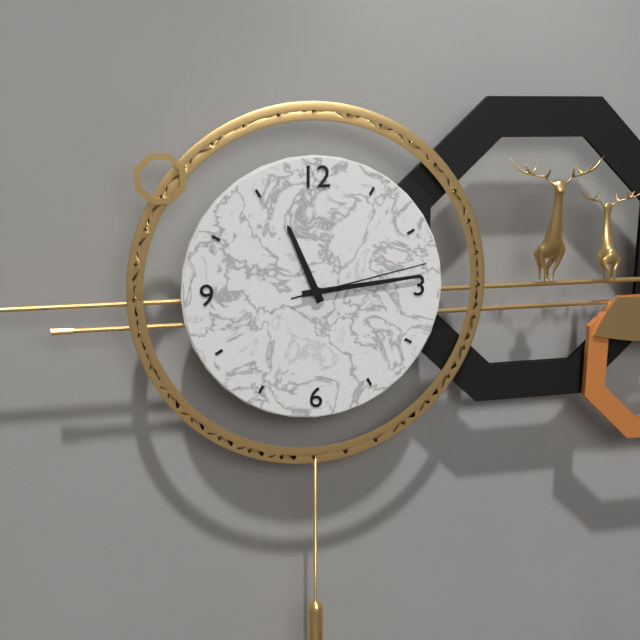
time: 11.14.13
